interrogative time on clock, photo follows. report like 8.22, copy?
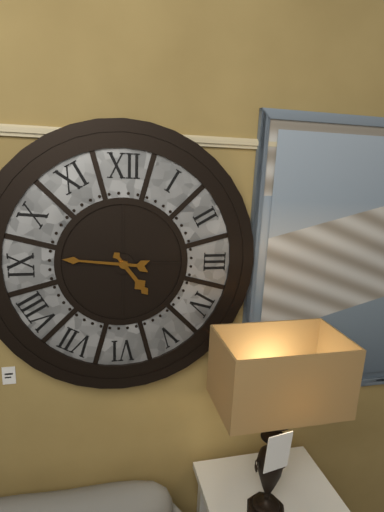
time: 4.46
